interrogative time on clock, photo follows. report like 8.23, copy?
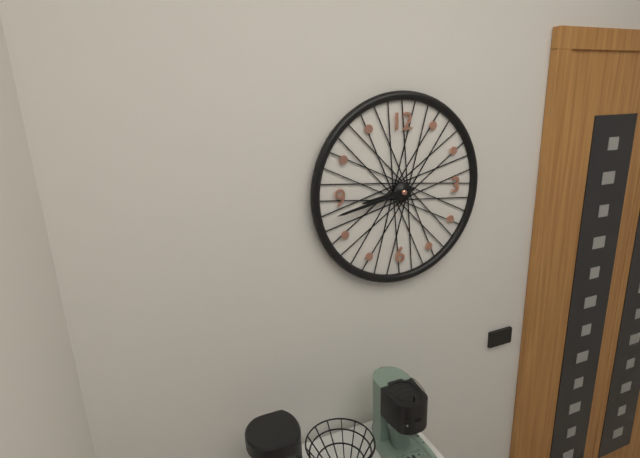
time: 8.43
